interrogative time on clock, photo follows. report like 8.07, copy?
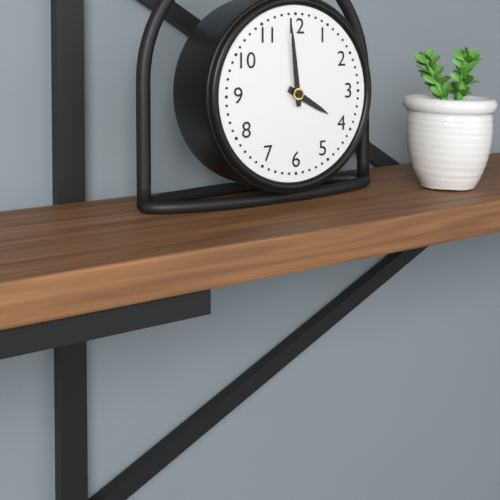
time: 3.59
